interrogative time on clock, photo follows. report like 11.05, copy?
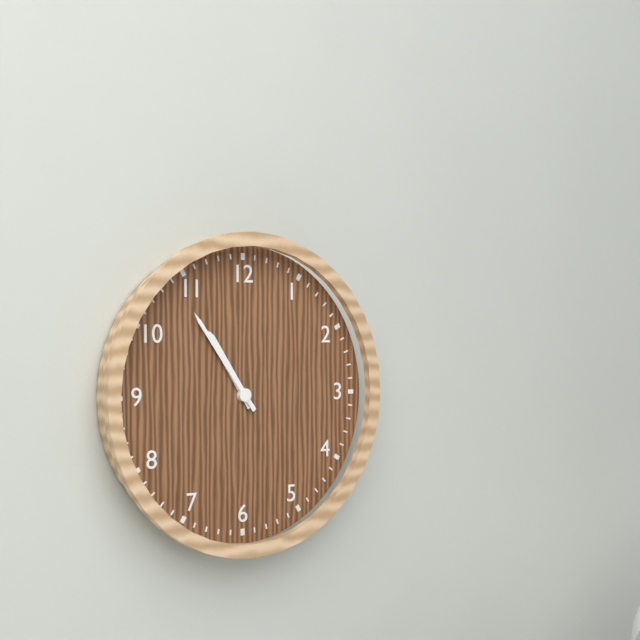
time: 10.54
